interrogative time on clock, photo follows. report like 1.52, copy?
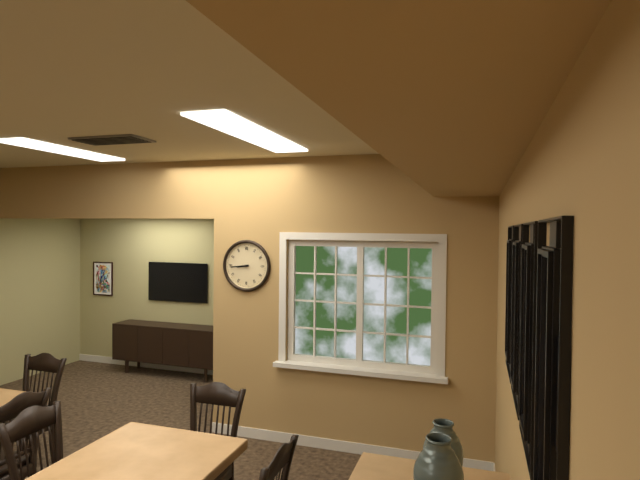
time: 8.44
